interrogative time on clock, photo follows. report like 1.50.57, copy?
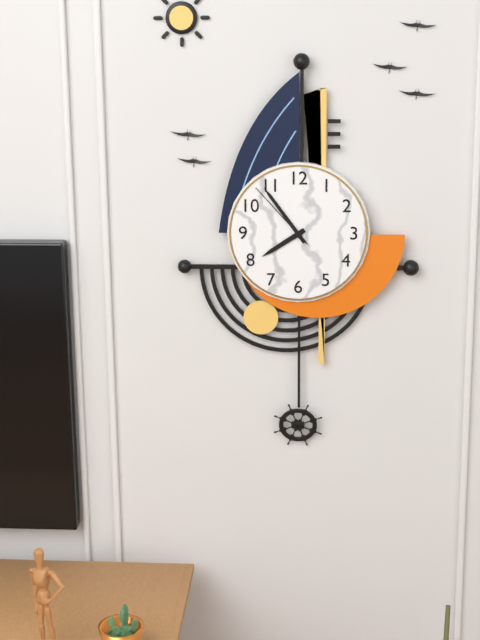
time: 7.54.53
